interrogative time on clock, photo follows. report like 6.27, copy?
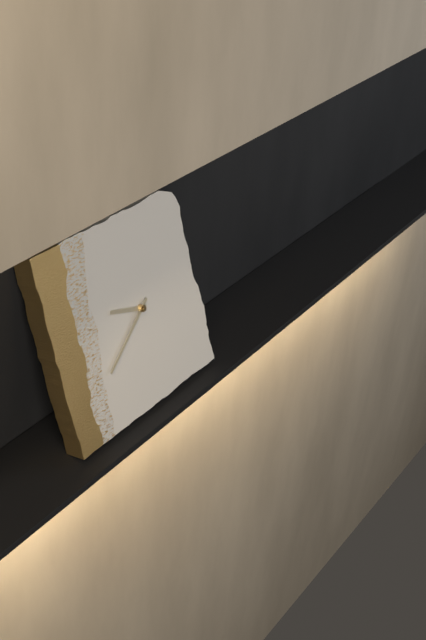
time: 9.39
